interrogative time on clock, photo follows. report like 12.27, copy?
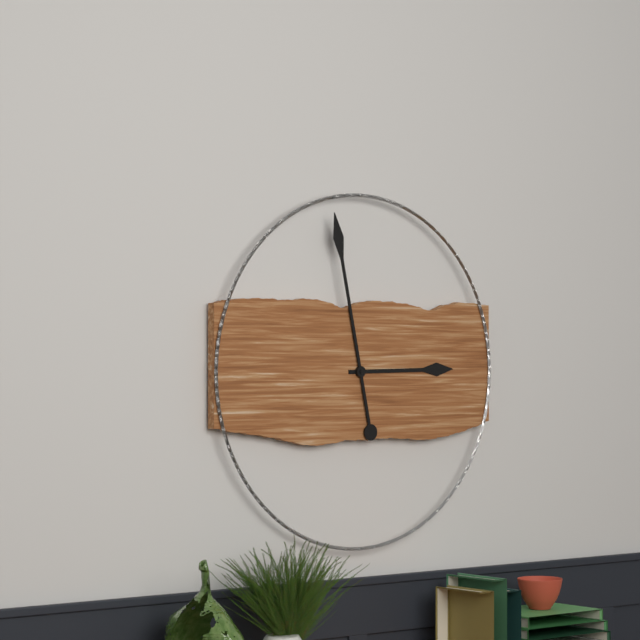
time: 2.58
